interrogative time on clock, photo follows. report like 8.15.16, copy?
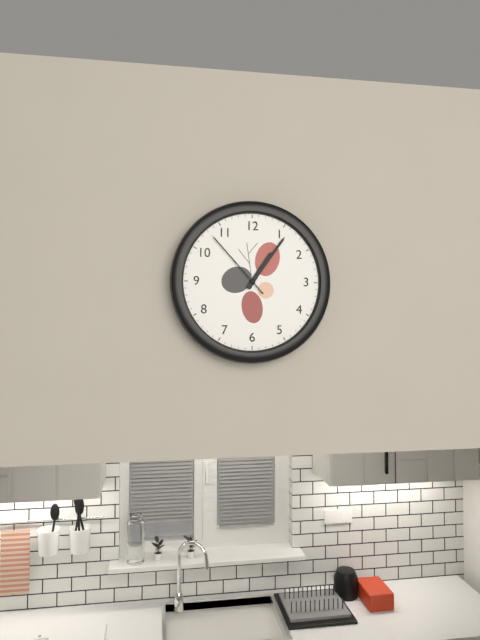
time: 1.06.53
